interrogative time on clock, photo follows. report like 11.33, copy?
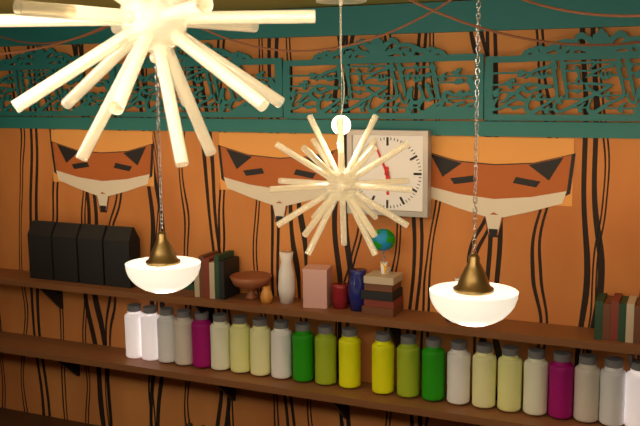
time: 5.56
